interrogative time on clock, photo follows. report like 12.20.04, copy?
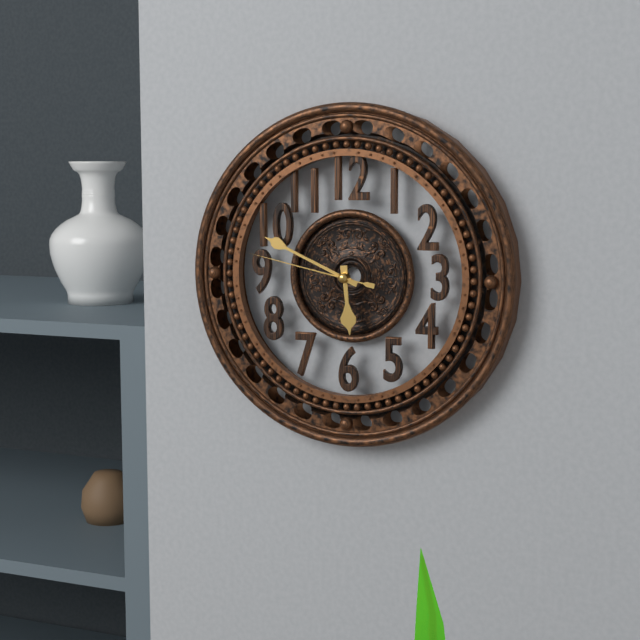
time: 5.49.47
